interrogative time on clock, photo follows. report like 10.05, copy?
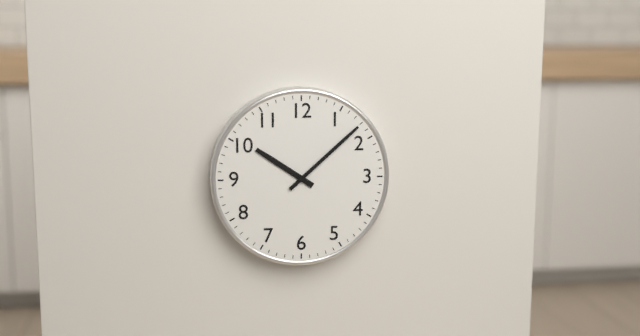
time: 10.08
